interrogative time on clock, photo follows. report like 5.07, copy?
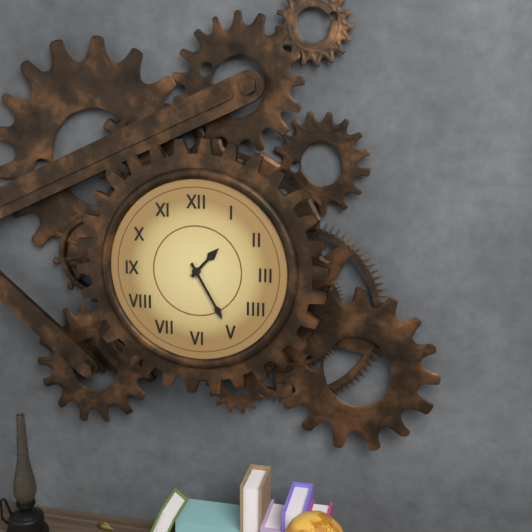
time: 1.25
